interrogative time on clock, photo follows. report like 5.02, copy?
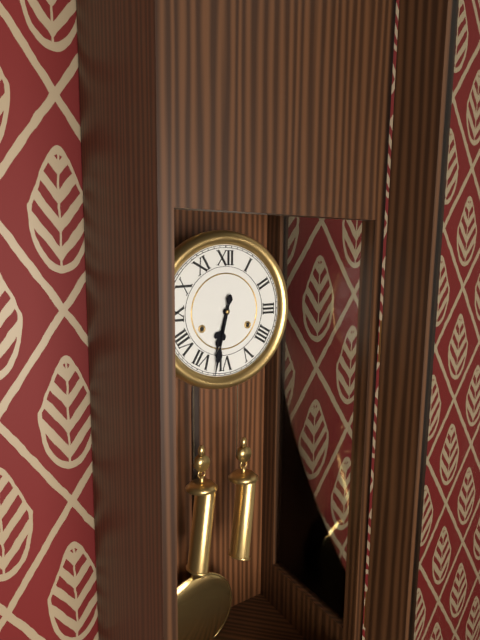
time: 6.32
